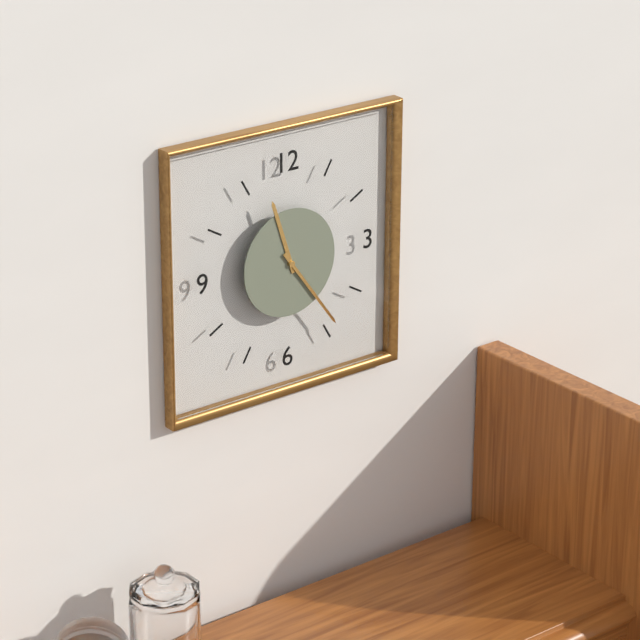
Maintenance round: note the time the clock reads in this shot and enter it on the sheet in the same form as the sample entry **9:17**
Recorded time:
**11:24**
